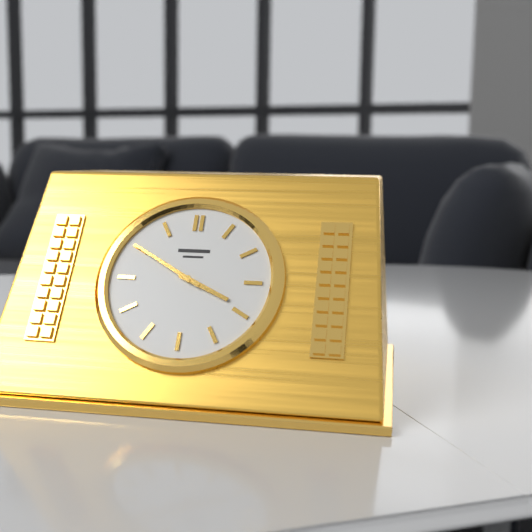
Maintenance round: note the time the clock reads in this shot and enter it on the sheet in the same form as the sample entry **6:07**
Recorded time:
**3:50**
